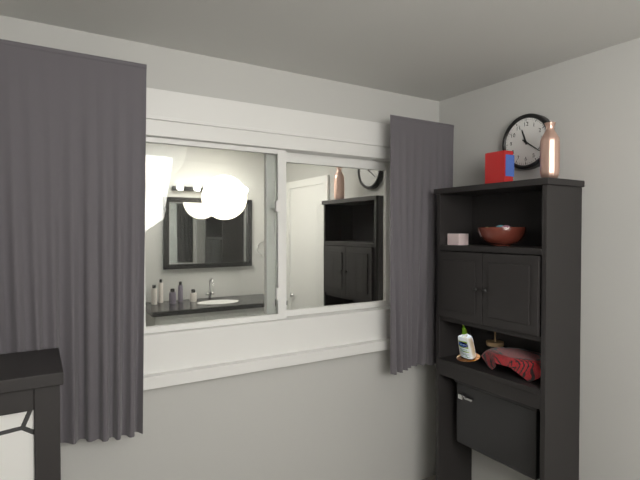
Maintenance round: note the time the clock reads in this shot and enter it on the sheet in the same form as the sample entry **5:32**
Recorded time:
**11:21**
